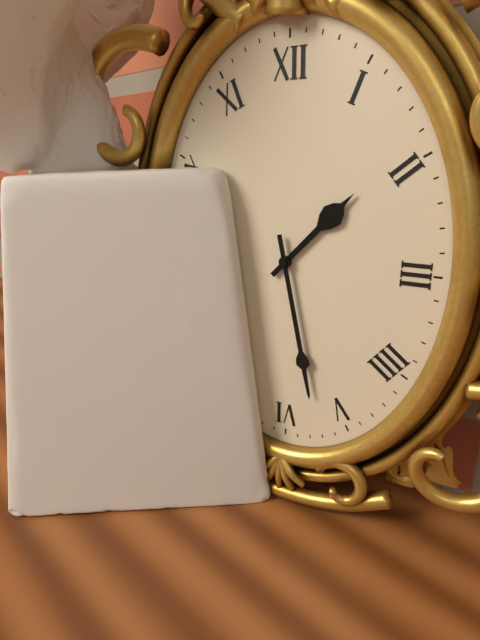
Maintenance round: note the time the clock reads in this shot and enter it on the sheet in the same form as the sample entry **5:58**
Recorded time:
**1:28**
